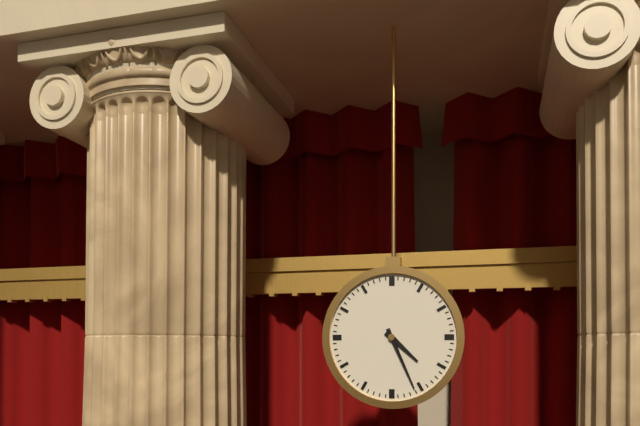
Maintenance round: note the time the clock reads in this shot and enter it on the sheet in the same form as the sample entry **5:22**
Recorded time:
**4:26**
